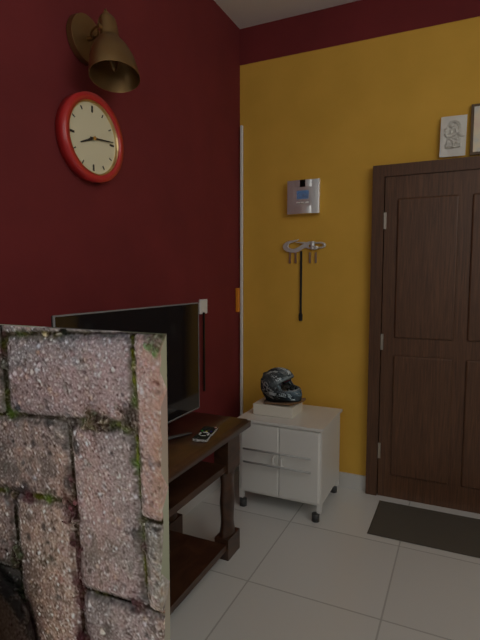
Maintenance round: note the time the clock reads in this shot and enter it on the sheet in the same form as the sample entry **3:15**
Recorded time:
**8:14**
